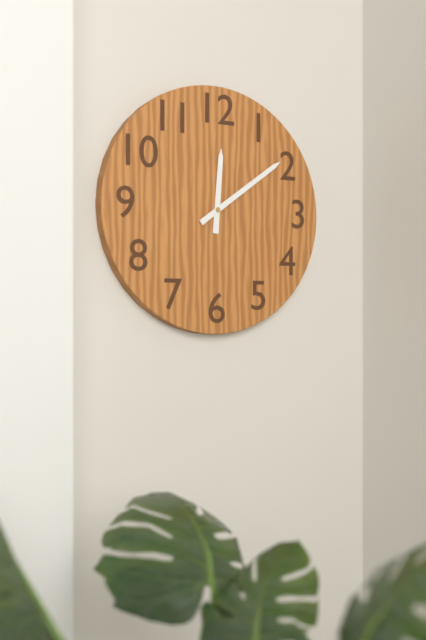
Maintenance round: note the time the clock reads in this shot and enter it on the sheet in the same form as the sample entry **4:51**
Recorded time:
**12:09**
